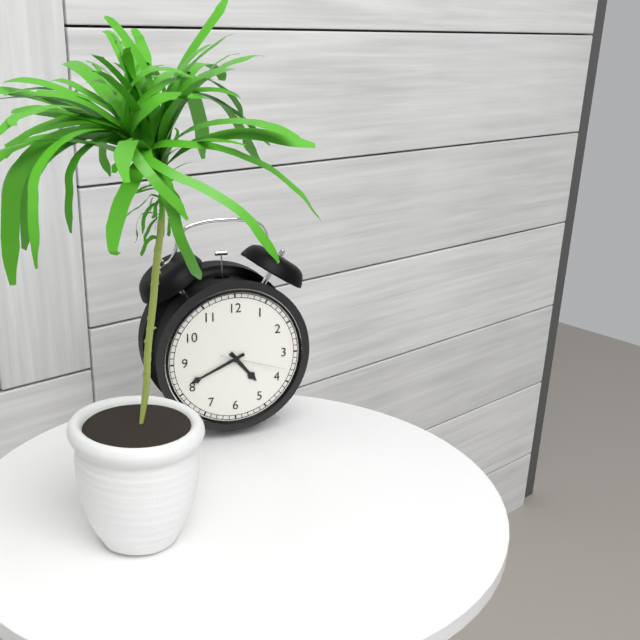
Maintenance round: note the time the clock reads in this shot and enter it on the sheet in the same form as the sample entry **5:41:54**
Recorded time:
**4:41:18**
